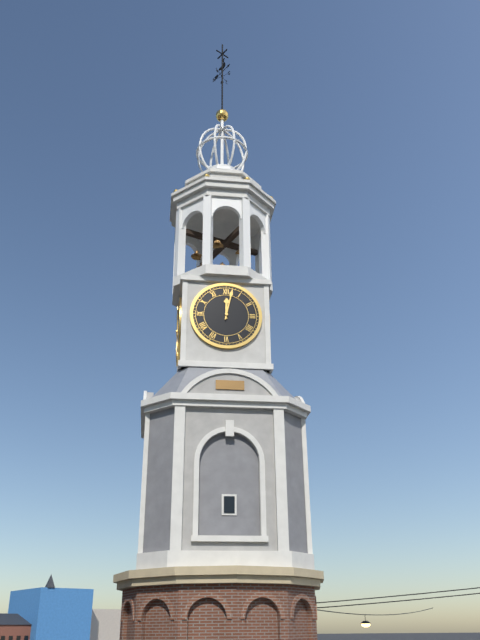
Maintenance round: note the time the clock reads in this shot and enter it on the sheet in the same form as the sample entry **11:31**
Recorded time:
**12:02**
